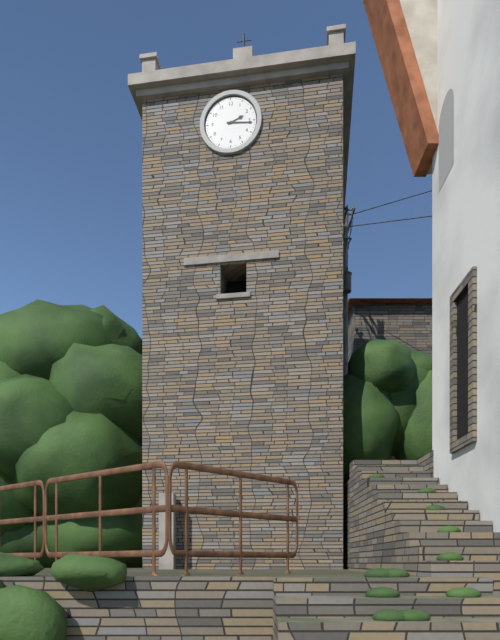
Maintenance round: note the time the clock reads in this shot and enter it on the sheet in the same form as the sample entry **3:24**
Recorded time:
**2:16**
